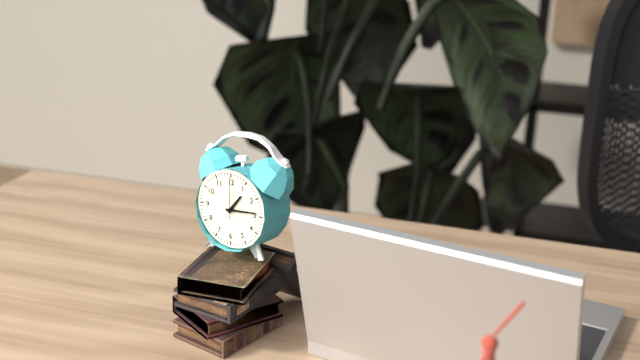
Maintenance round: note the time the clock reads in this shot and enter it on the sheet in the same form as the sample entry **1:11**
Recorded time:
**1:14**
